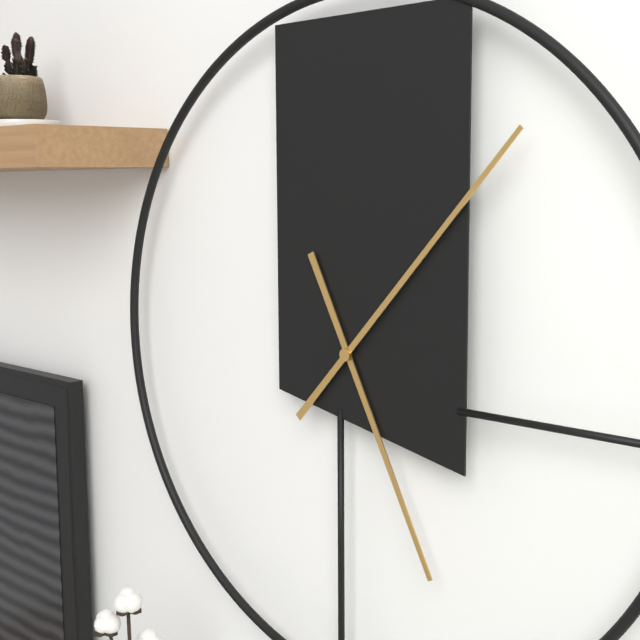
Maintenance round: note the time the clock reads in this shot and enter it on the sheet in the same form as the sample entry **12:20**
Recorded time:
**5:07**
